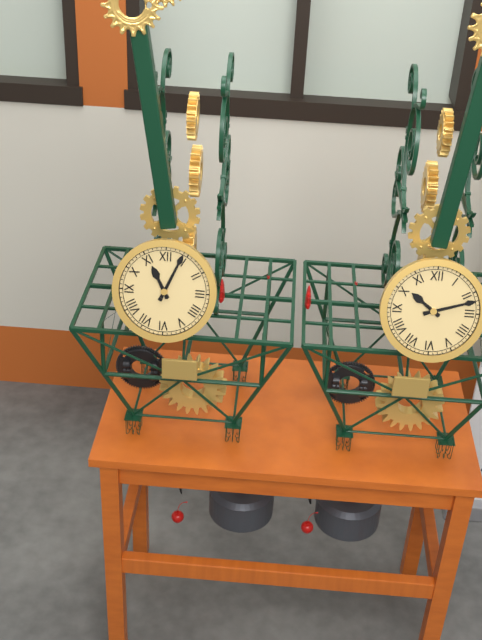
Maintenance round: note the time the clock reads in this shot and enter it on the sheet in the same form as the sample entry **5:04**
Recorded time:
**11:04**
